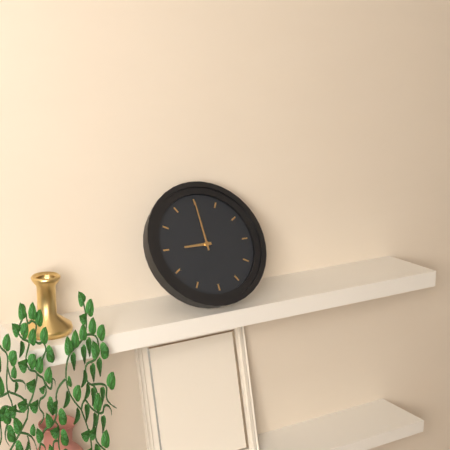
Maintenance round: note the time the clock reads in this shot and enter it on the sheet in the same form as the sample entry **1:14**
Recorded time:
**9:00**
